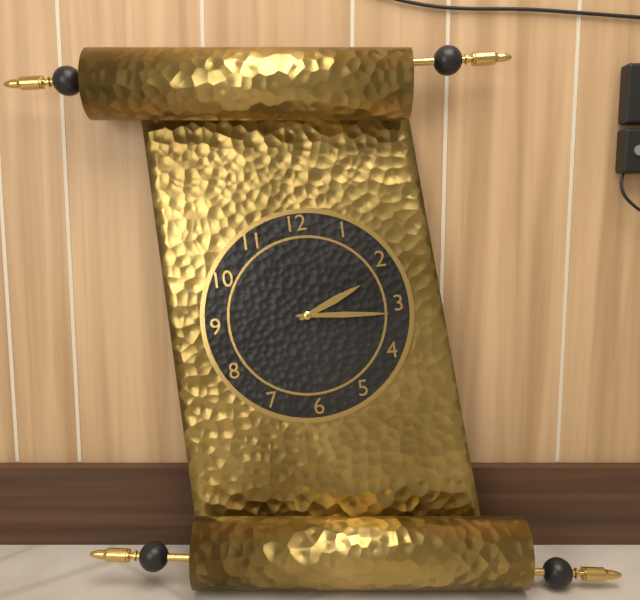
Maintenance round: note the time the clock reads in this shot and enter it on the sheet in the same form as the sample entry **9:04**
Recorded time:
**2:16**
